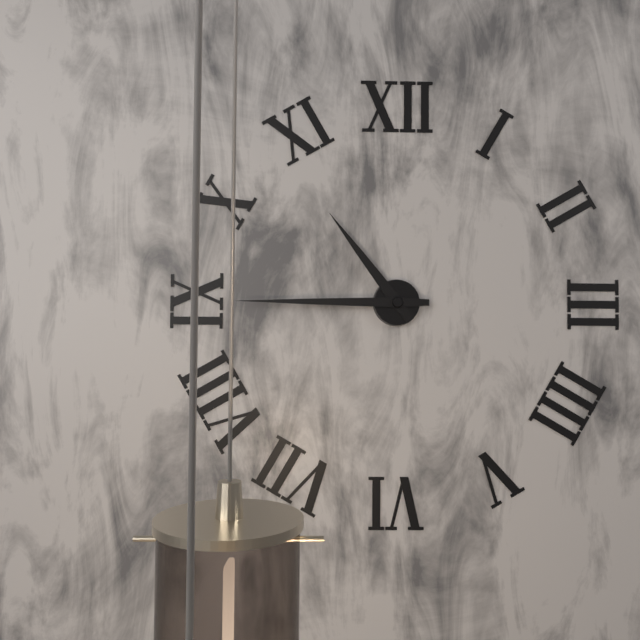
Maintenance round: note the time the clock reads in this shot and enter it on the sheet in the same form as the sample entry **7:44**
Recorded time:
**10:45**
